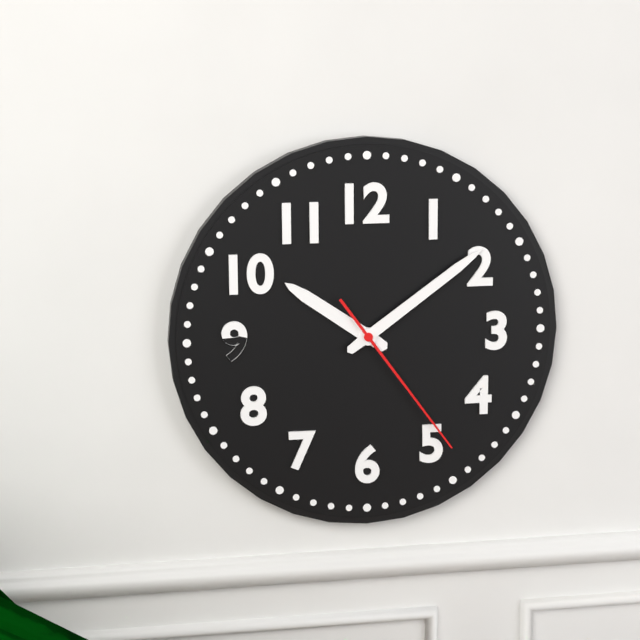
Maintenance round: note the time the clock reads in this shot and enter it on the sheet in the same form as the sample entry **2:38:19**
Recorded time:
**10:09:24**
